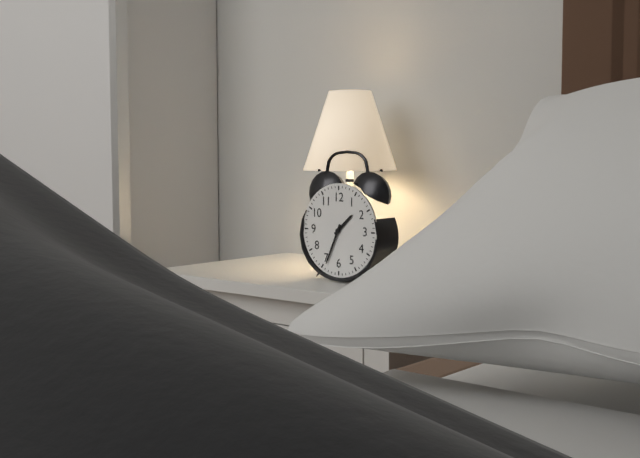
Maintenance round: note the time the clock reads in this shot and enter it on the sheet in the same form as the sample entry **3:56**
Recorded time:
**1:34**
